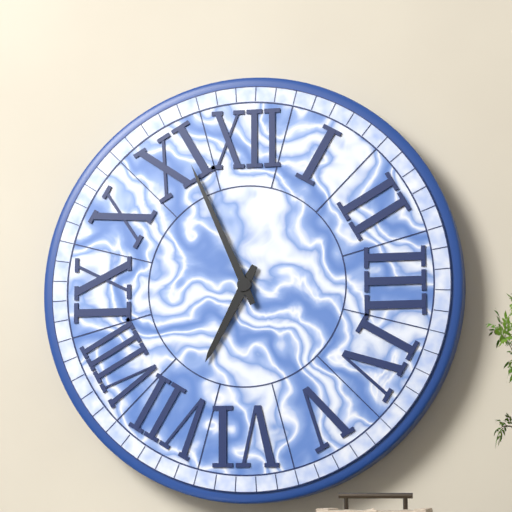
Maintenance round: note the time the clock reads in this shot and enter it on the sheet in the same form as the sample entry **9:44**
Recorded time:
**6:56**
